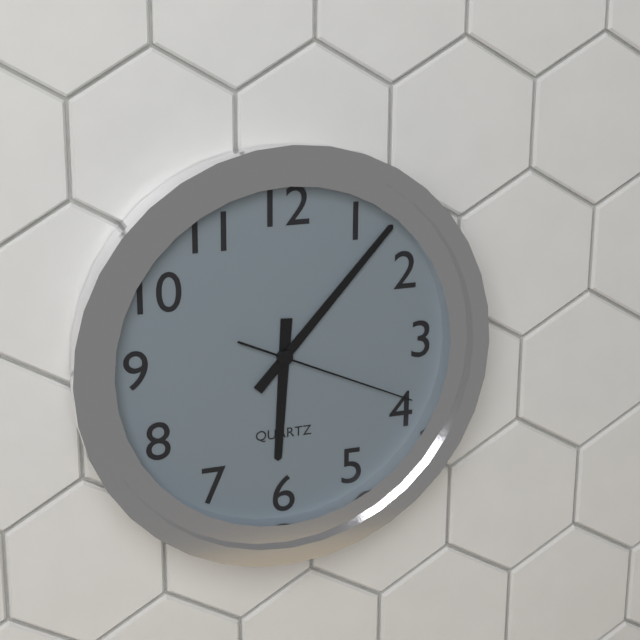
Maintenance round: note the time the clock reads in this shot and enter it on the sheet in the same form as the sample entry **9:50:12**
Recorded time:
**6:07:19**
